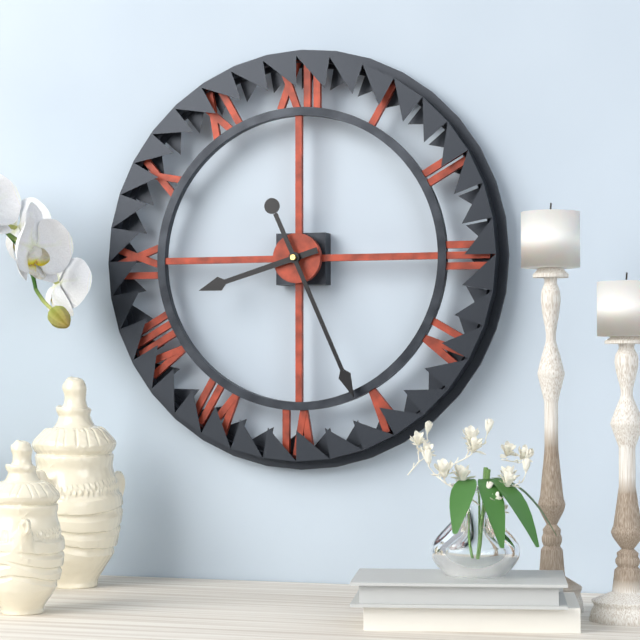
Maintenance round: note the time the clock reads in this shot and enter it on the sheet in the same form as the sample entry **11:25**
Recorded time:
**8:26**
